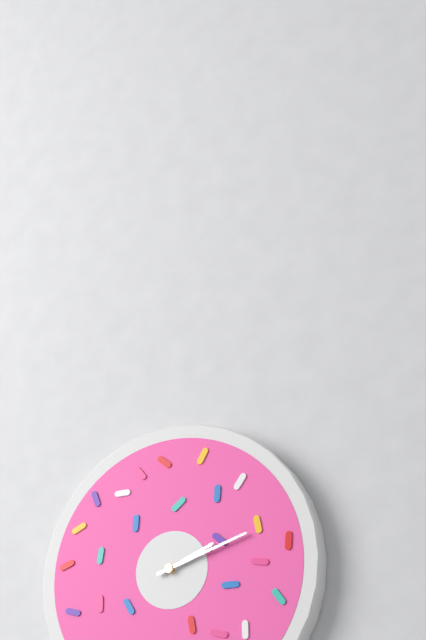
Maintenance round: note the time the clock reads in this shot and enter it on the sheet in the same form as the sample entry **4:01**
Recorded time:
**2:12**
